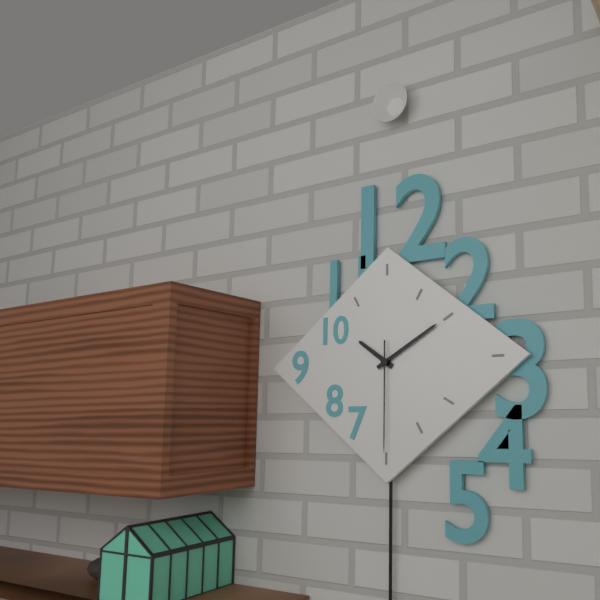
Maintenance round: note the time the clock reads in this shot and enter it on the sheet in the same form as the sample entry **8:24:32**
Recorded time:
**10:10:30**
